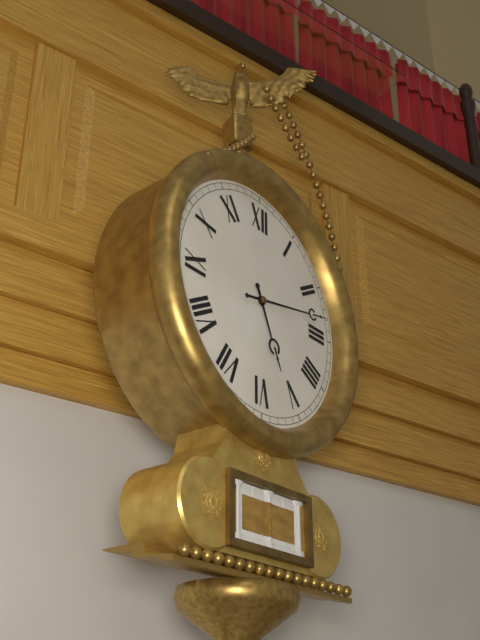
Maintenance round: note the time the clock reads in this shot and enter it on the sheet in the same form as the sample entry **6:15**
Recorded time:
**5:13**
